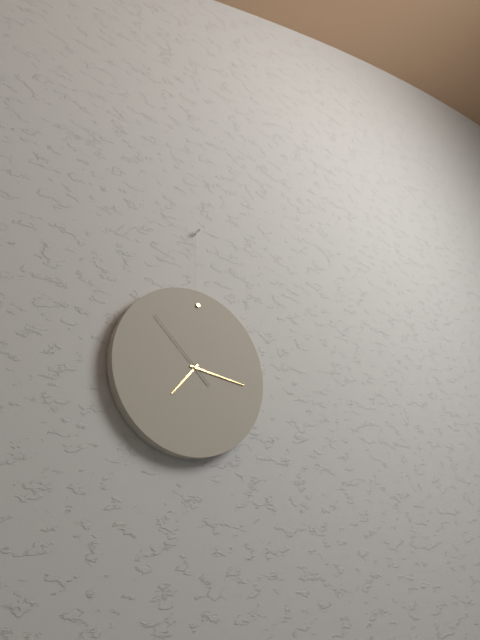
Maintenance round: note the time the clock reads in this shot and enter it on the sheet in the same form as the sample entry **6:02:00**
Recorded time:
**7:16:52**
